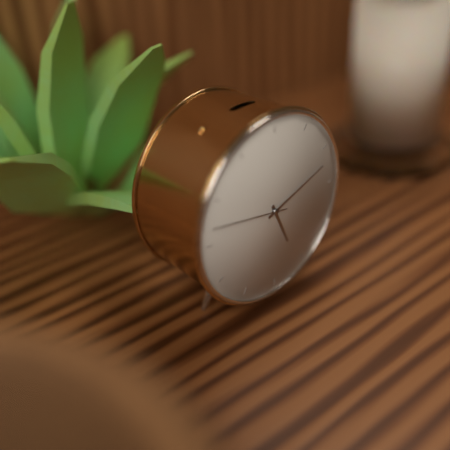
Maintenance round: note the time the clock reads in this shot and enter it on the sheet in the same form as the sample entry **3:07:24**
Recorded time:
**5:12:47**
